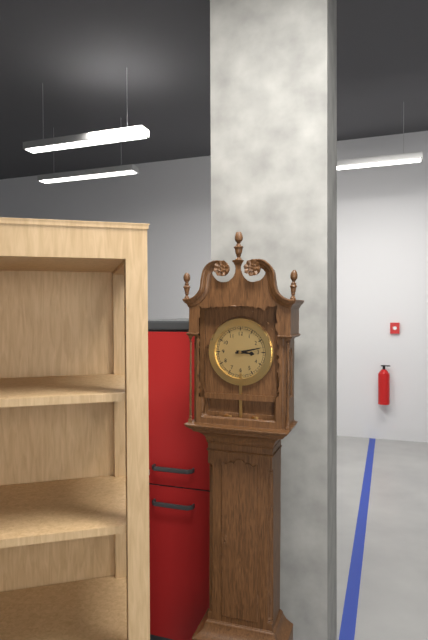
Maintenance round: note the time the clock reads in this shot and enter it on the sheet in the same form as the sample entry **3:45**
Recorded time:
**3:13**
